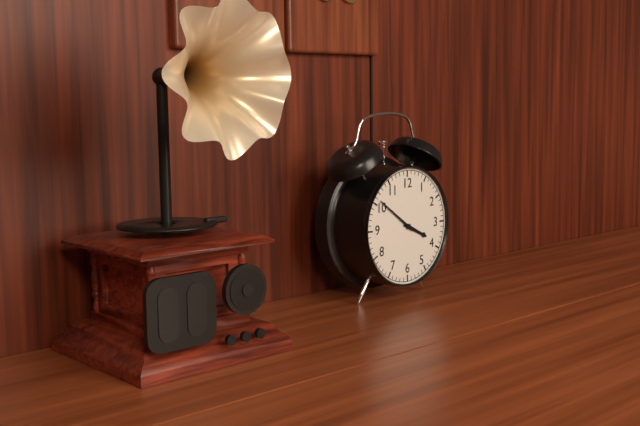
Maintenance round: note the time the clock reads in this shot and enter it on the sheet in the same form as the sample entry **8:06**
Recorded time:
**3:51**
